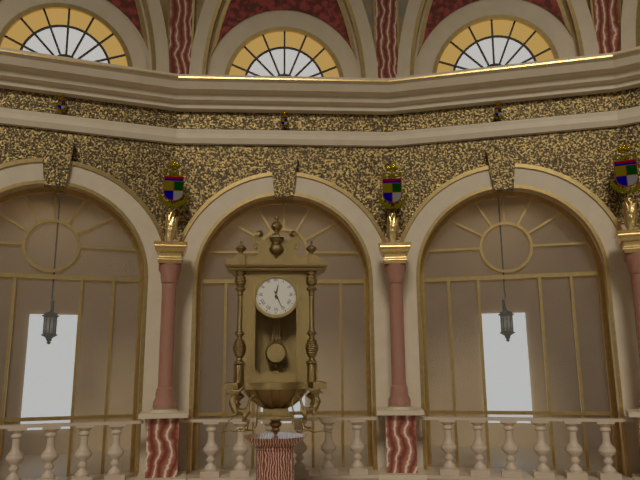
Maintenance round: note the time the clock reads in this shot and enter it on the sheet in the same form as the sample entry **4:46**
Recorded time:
**12:26**
